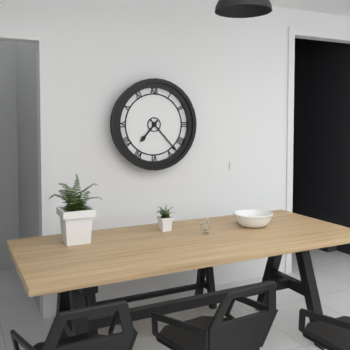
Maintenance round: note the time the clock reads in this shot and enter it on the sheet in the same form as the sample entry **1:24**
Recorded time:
**7:23**
